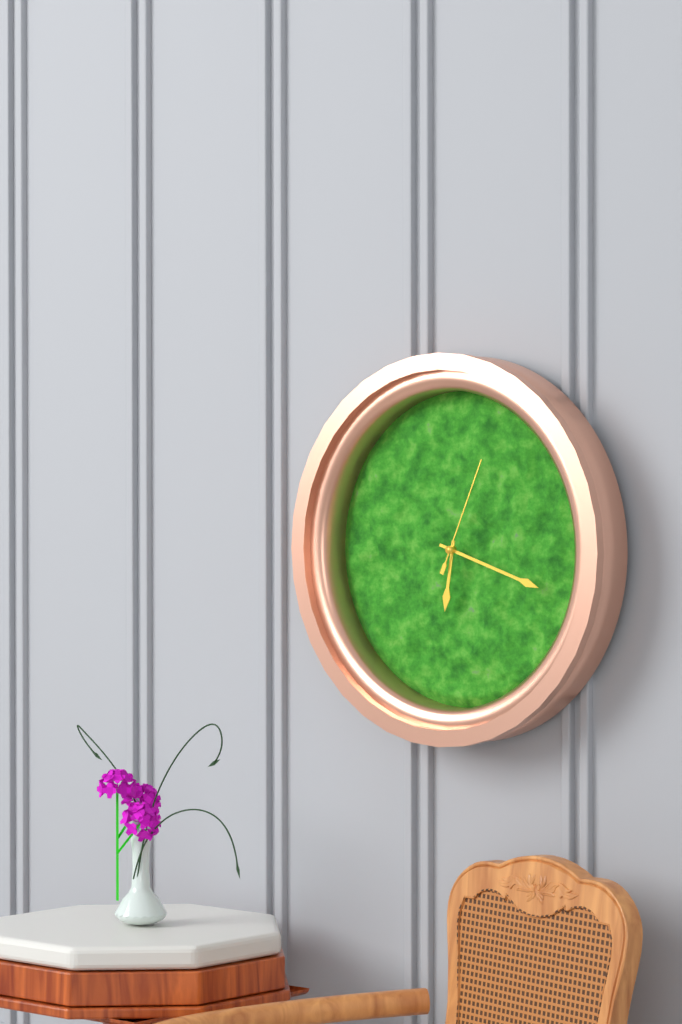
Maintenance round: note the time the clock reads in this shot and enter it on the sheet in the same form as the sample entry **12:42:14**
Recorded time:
**6:18:04**
